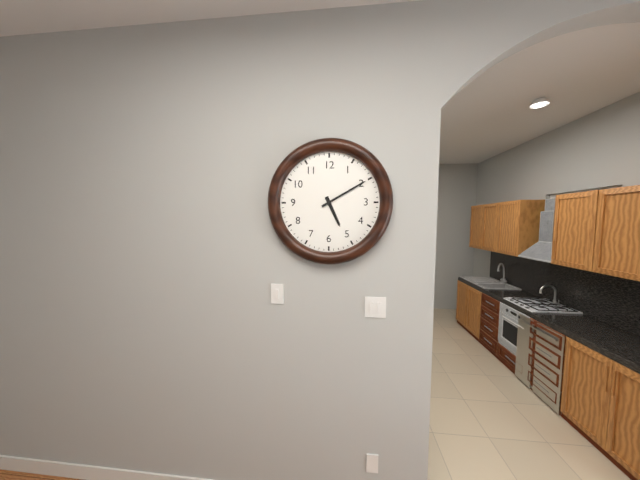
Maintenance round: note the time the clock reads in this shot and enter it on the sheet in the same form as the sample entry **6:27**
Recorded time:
**5:10**
